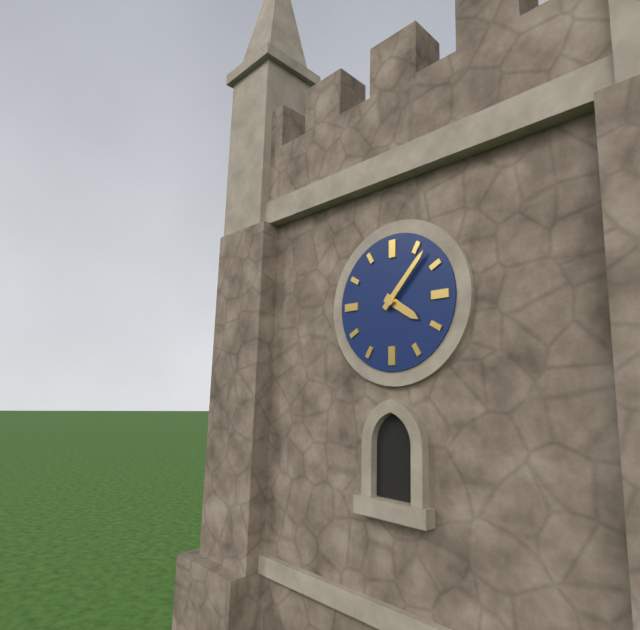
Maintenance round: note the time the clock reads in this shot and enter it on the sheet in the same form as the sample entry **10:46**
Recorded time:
**4:07**
